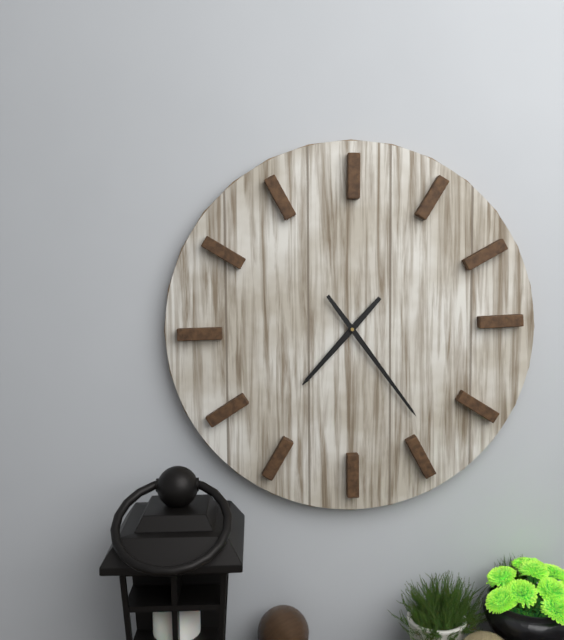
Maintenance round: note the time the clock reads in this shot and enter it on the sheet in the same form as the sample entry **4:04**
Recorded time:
**7:24**
